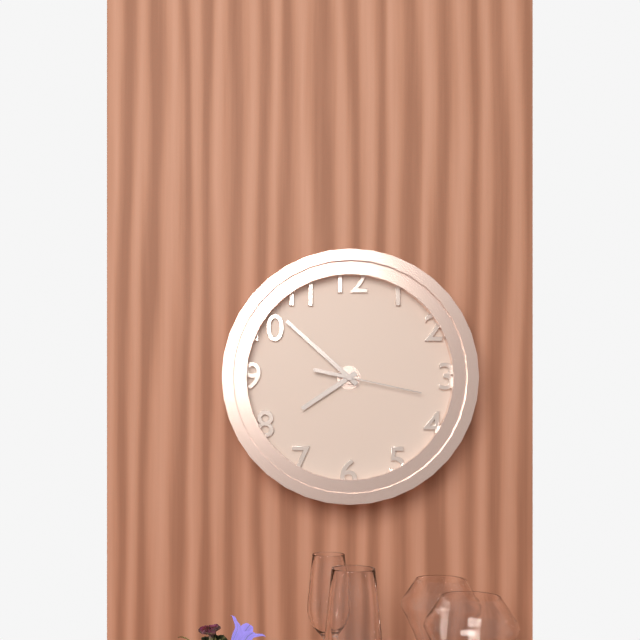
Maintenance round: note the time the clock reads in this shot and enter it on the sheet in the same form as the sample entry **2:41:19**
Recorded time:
**7:52:17**
